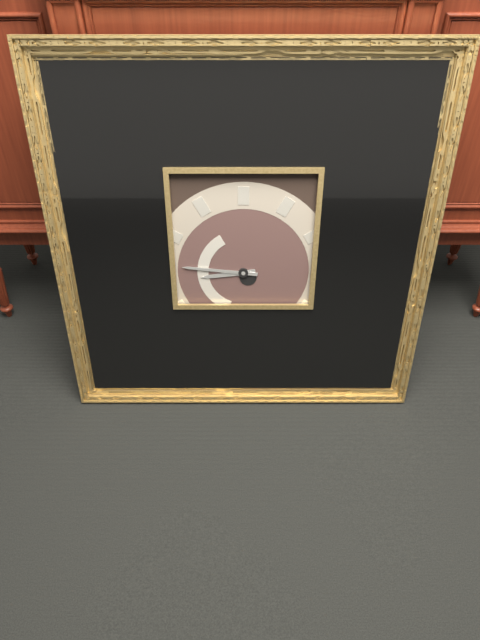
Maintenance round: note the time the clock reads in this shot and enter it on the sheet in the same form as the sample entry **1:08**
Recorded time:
**8:46**
